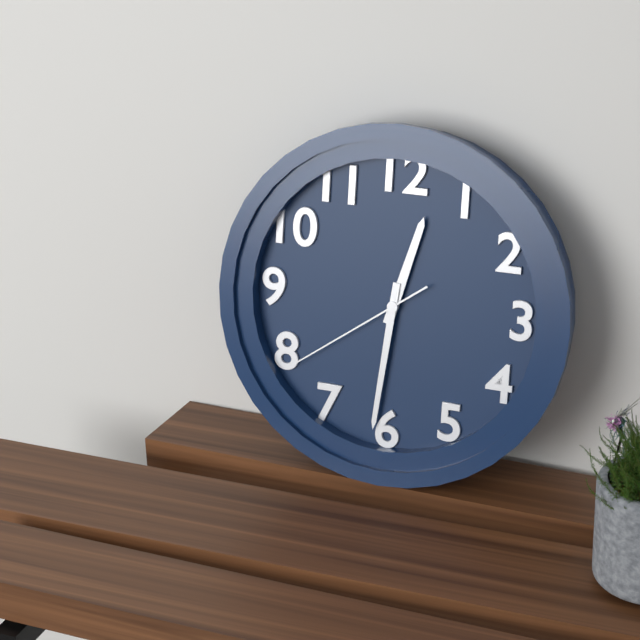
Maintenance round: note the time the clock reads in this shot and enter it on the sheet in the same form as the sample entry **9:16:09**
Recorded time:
**12:31:39**
